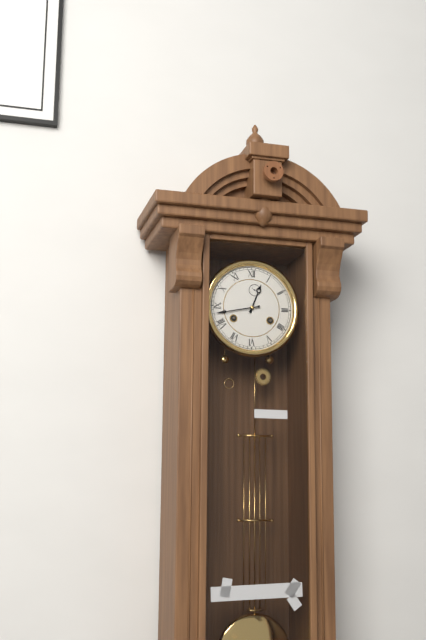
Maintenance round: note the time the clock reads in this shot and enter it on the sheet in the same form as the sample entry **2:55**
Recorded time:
**12:43**
